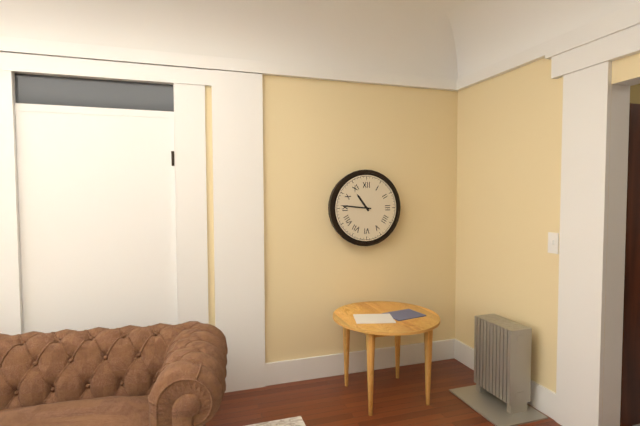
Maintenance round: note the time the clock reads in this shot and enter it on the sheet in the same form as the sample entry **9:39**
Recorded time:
**10:46**
